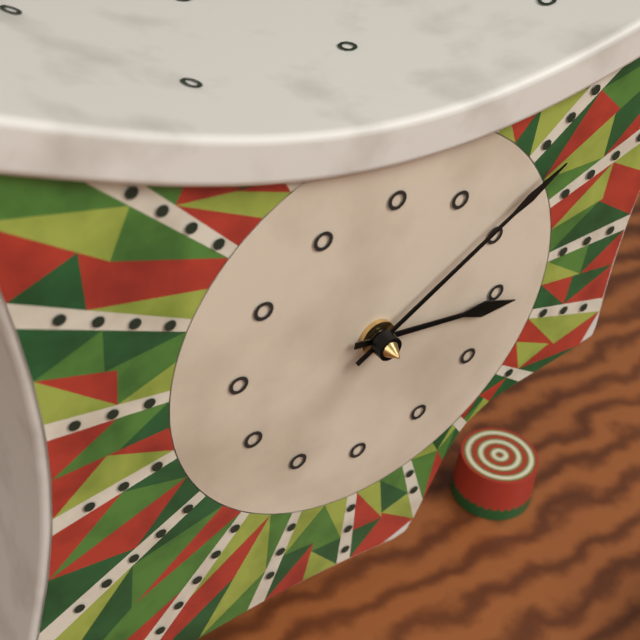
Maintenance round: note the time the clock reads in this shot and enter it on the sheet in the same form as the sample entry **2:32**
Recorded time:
**3:09**
